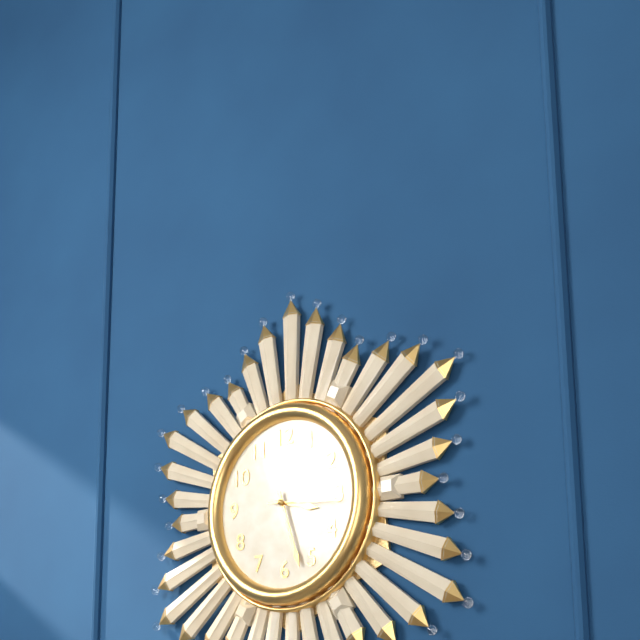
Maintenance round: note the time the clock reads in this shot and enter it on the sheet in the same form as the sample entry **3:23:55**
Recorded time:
**3:27:16**
